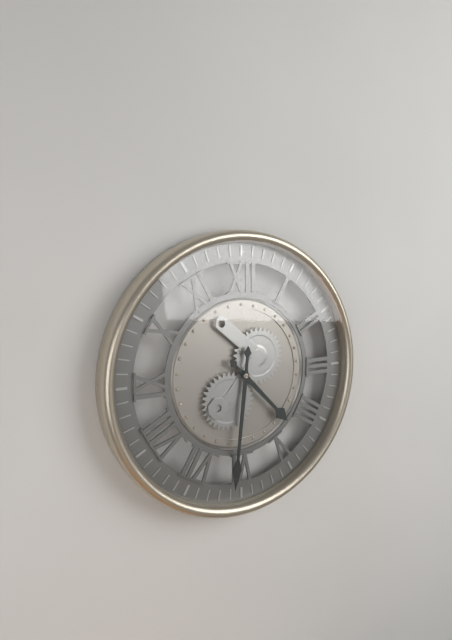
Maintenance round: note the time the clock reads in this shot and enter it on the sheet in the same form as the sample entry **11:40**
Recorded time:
**4:31**
